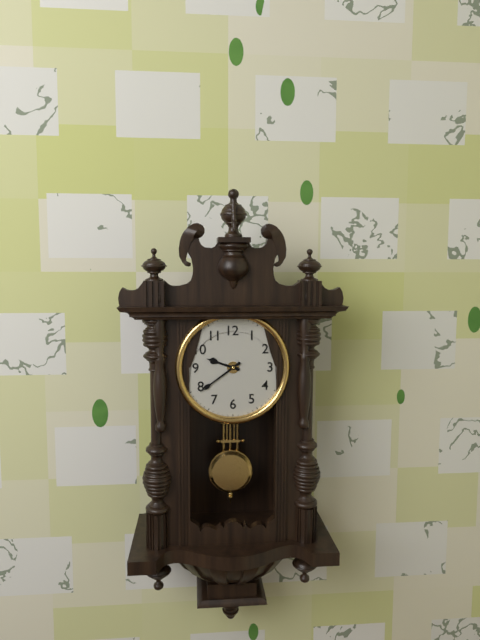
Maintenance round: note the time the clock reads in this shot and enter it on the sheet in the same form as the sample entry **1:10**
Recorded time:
**9:39**
